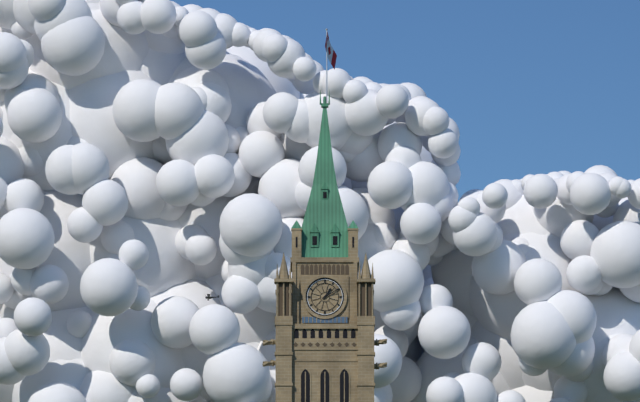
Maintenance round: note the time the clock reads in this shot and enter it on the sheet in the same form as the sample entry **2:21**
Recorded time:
**1:10**
